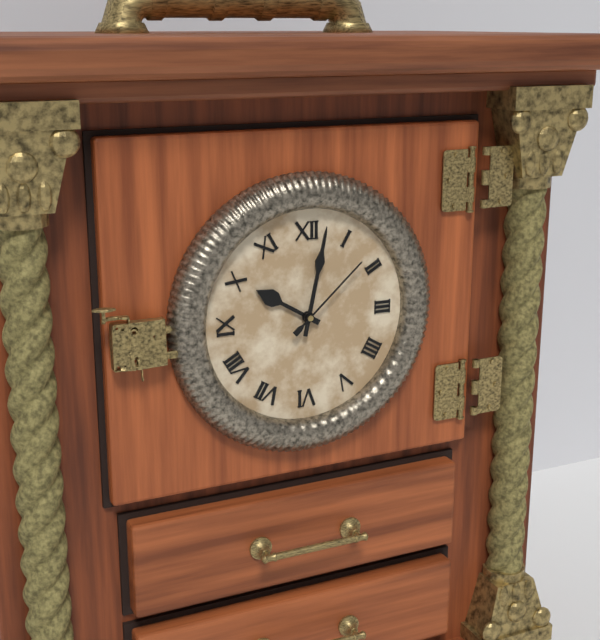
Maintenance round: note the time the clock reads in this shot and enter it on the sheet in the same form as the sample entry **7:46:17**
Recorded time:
**10:02:08**
